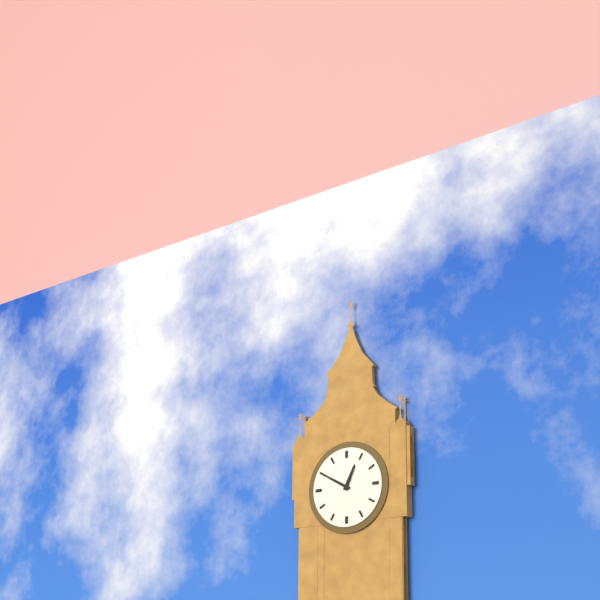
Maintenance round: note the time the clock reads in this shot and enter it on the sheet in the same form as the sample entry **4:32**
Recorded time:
**12:50**
